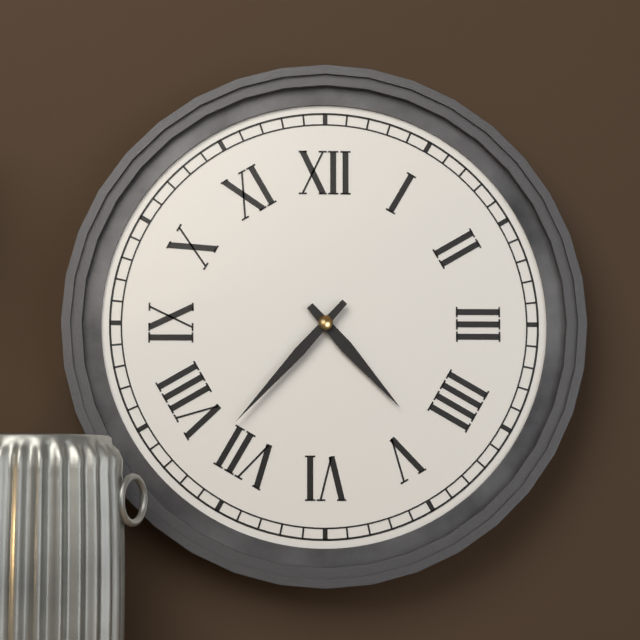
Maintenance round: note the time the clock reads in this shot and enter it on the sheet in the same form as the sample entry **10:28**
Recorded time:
**4:37**
